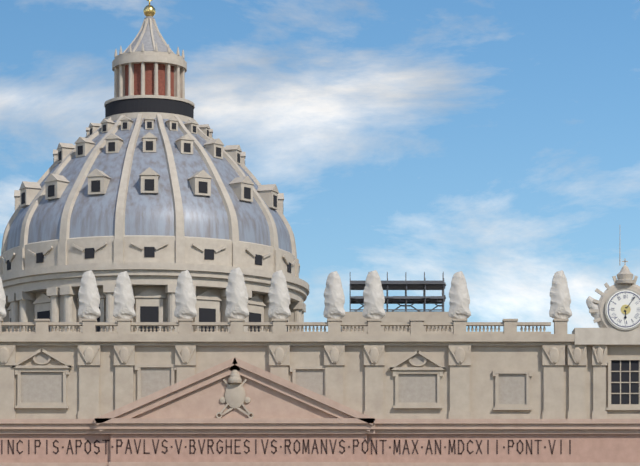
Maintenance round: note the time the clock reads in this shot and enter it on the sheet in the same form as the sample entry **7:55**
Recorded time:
**6:06**
